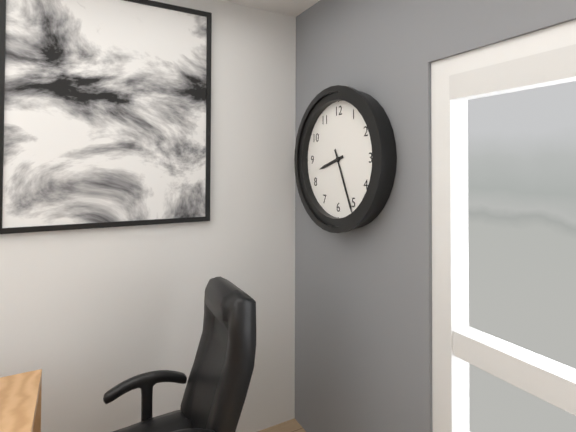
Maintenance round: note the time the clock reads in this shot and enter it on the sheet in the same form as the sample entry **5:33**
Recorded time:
**8:26**
